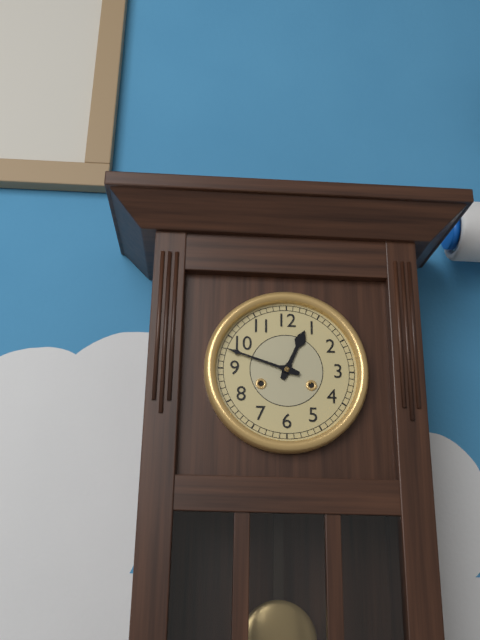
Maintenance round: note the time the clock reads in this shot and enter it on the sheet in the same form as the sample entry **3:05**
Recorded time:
**12:48**
